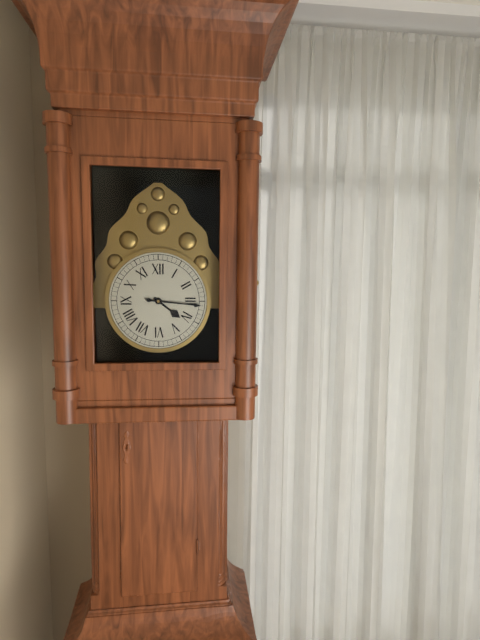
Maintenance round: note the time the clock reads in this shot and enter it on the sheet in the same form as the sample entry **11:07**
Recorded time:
**4:16**
